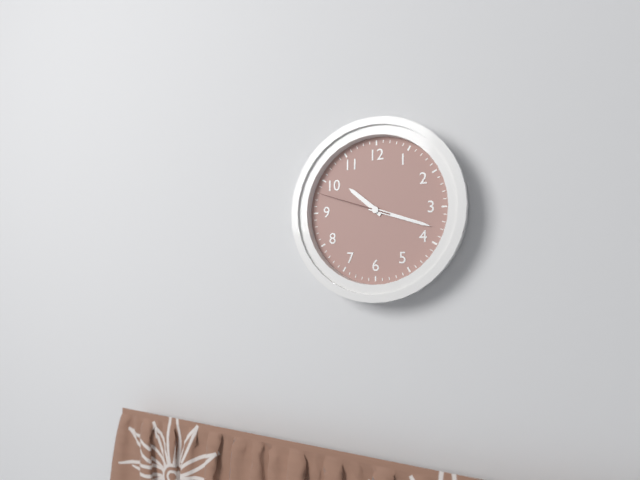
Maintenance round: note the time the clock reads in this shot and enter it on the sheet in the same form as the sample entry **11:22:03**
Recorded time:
**10:18:48**
